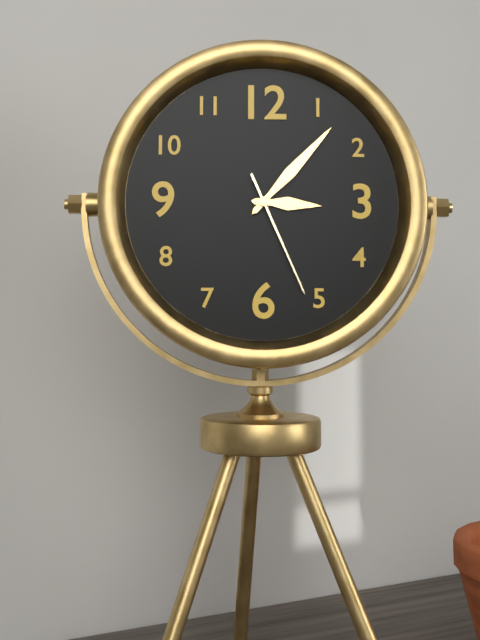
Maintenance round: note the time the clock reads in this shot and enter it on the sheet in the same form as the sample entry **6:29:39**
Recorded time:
**3:07:26**
